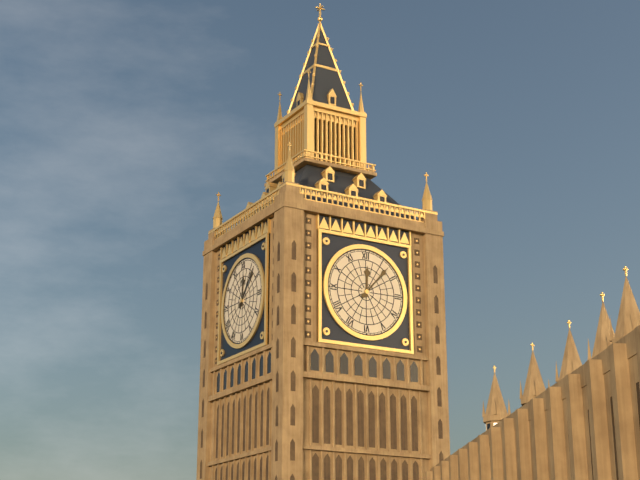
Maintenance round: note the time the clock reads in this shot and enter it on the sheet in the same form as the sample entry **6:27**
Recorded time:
**12:07**
